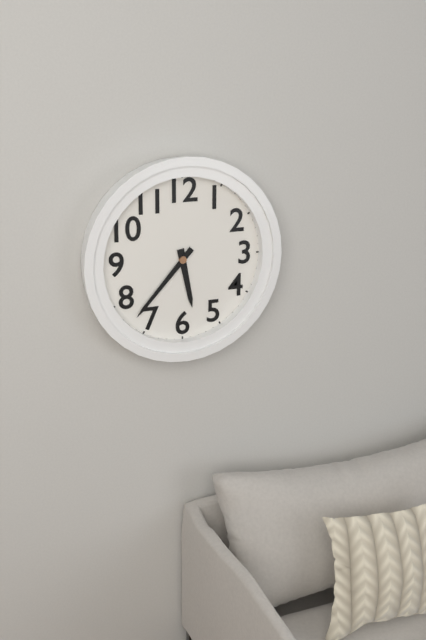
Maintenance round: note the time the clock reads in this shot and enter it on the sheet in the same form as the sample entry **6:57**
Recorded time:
**5:37**
